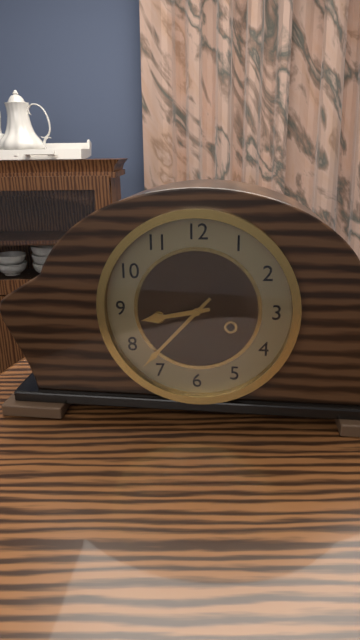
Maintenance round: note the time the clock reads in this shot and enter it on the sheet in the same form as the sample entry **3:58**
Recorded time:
**8:37**
